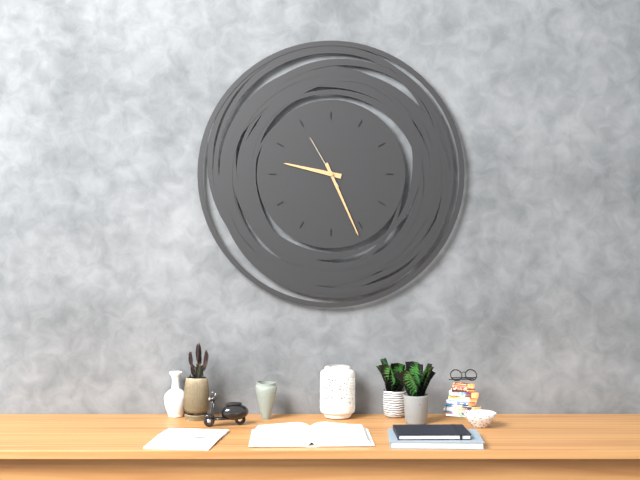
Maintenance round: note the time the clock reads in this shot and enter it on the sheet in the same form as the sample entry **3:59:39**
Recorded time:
**9:26:55**
